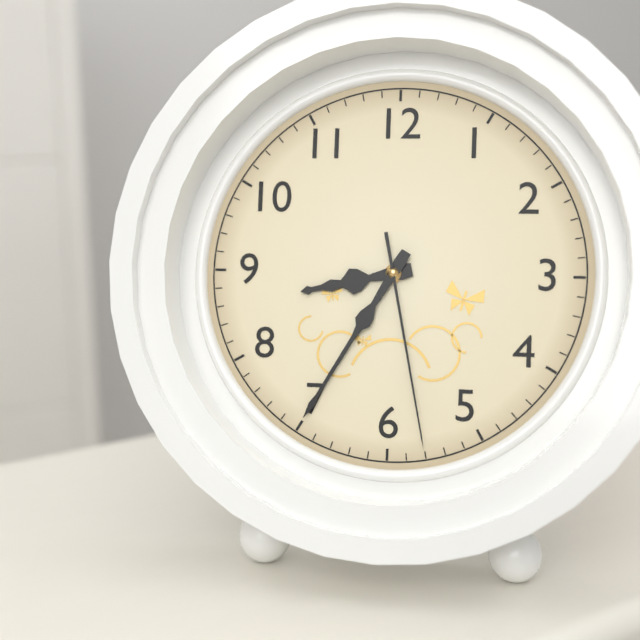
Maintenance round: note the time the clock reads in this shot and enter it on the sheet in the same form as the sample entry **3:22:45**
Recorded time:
**8:35:28**
